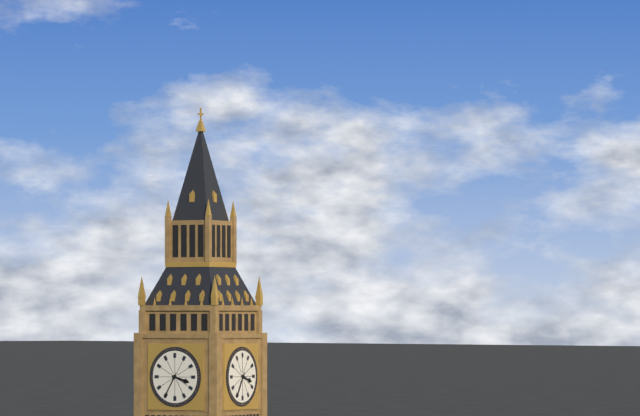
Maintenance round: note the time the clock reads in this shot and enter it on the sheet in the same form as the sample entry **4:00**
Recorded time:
**3:35**
